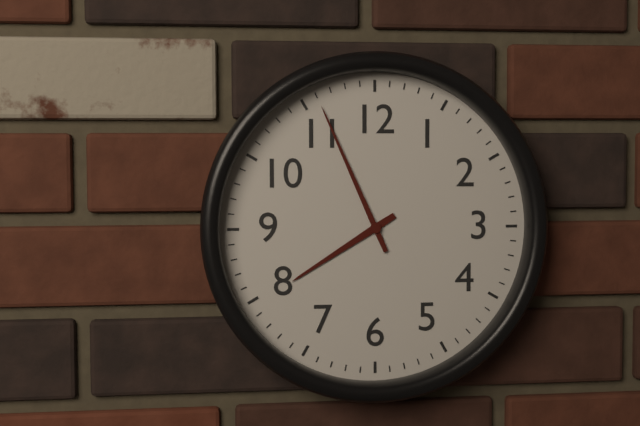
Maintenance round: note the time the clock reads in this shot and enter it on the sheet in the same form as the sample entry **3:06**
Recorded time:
**7:56**
